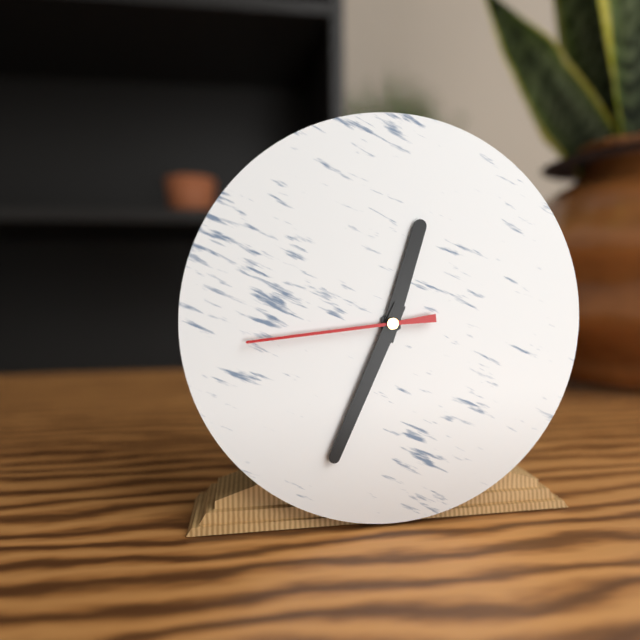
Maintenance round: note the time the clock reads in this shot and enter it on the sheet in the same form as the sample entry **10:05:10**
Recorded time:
**12:34:44**
